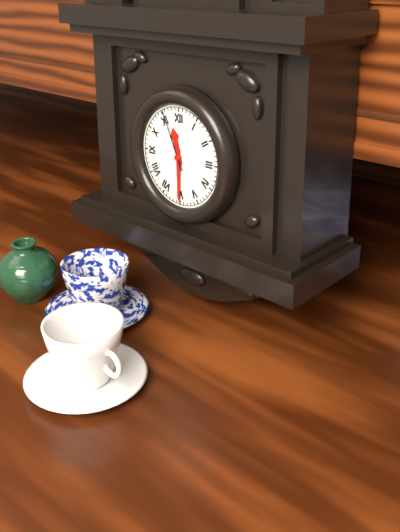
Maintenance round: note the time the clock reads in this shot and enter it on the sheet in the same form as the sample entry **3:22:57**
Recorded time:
**11:30:56**
